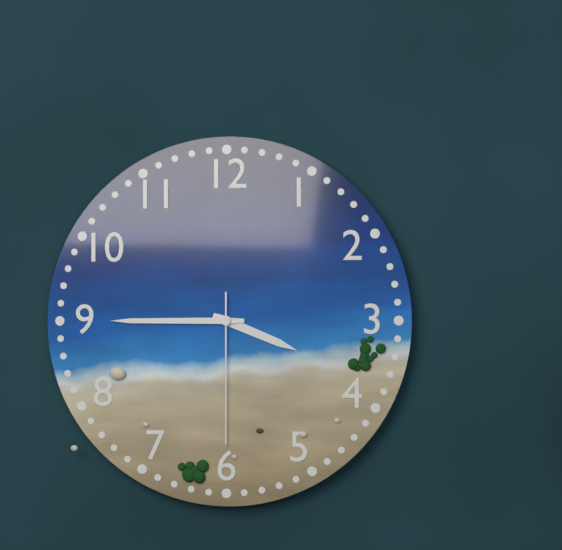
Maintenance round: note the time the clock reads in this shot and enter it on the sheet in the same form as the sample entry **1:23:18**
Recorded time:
**3:45:30**
